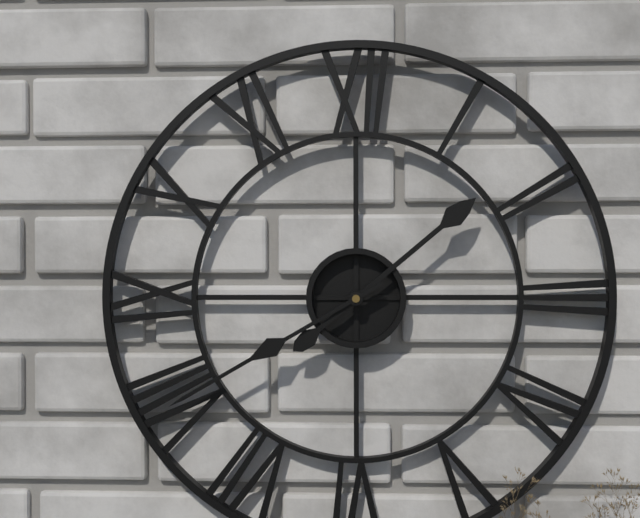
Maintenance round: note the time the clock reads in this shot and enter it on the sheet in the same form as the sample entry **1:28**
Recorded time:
**1:40**
